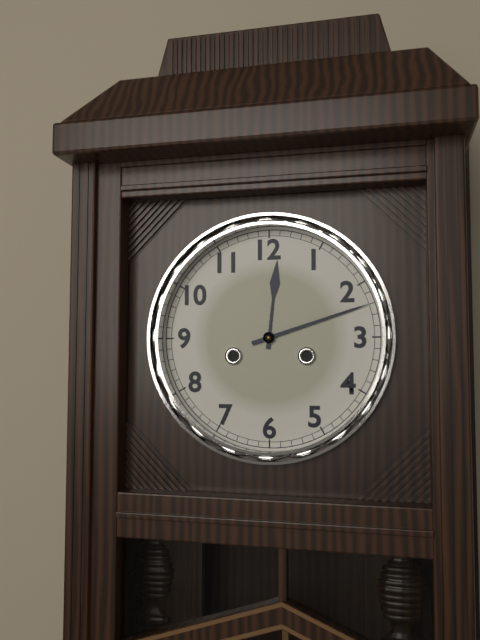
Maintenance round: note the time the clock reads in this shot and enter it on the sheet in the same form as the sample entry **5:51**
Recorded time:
**12:12**
